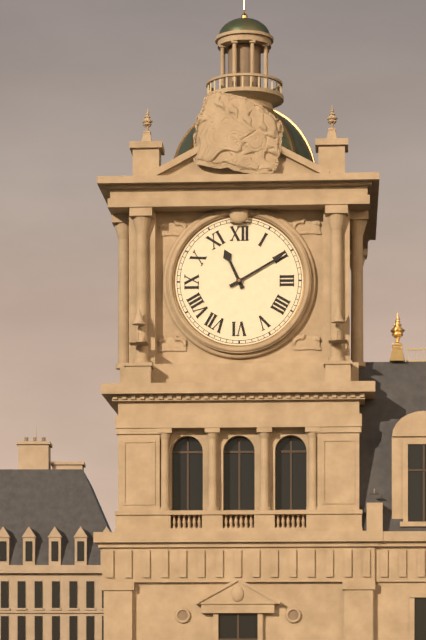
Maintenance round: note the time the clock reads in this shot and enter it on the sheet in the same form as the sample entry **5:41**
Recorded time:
**11:10**
